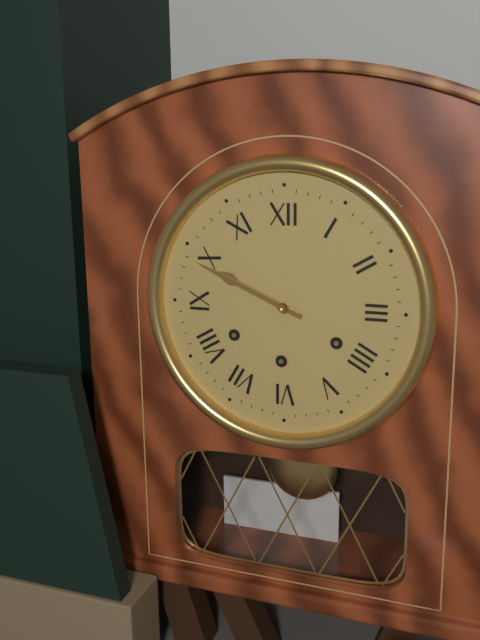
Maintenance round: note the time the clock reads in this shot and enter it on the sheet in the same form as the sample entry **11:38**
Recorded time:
**9:49**
